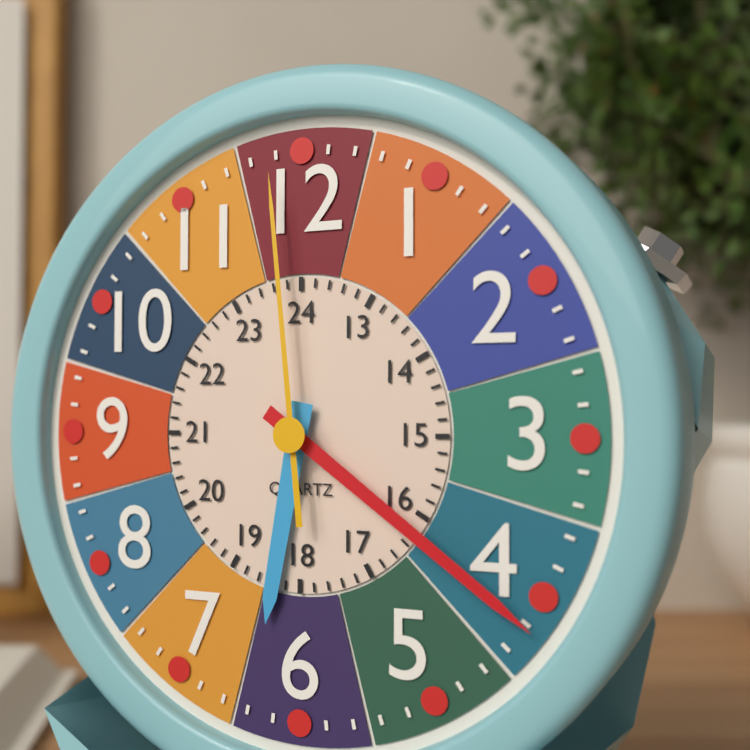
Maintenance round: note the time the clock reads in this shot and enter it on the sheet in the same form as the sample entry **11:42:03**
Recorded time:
**6:21:59**
